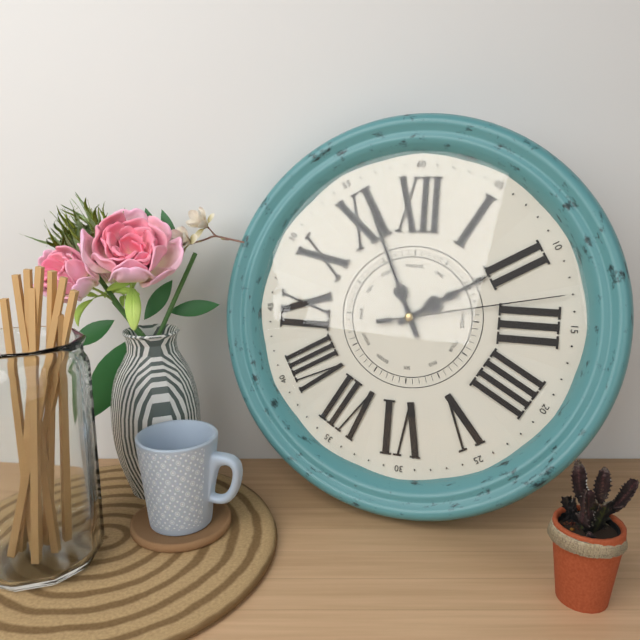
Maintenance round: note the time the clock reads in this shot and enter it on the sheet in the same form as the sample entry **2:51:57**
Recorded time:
**1:56:13**
